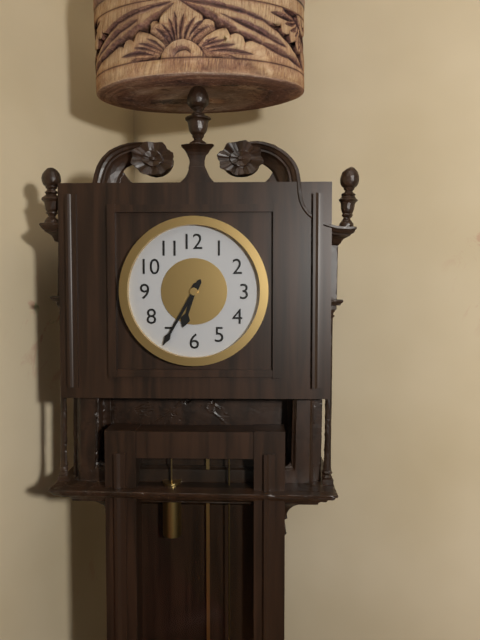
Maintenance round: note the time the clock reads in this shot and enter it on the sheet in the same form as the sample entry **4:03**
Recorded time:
**6:35**
